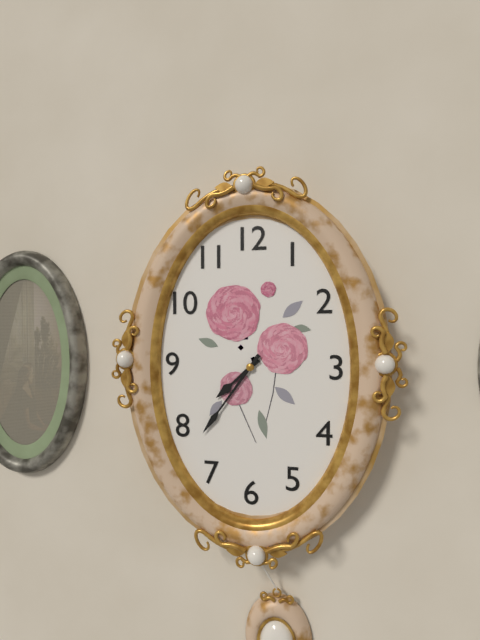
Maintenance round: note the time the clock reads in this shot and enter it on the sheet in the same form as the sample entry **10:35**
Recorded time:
**7:36**
